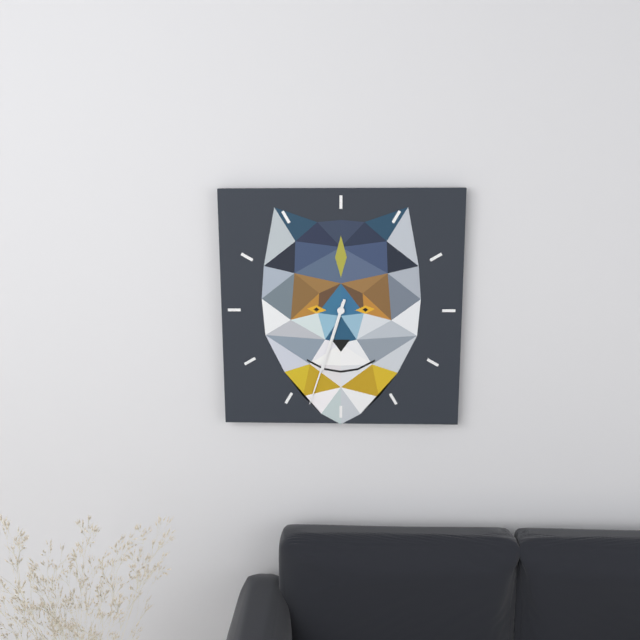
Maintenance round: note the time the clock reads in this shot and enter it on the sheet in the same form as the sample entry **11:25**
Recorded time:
**6:33**
